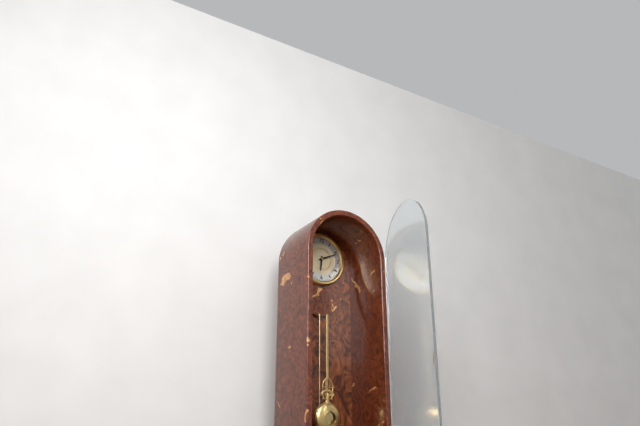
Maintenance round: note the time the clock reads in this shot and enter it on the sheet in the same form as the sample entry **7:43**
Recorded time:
**6:11**
